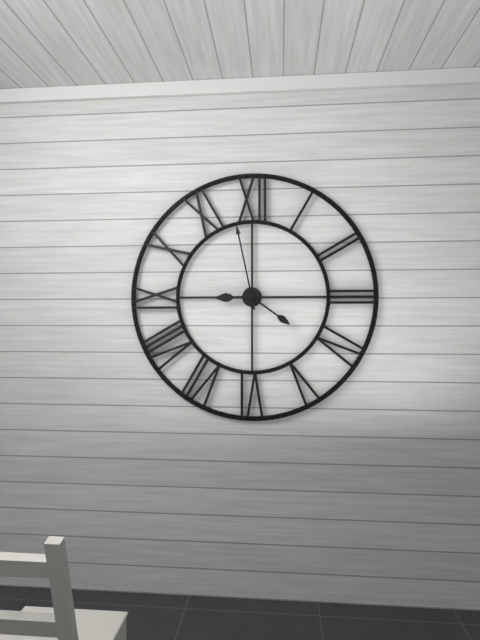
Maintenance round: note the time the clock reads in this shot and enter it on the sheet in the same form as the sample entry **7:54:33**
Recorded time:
**8:58:21**
